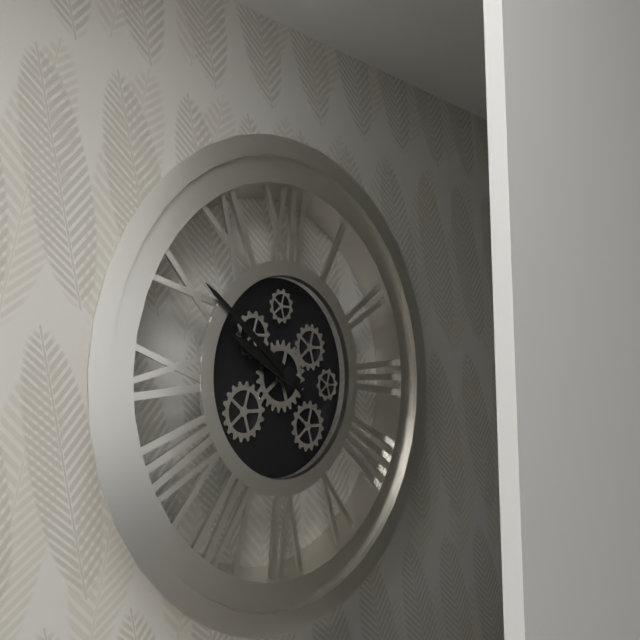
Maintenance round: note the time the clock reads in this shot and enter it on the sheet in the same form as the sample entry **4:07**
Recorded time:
**9:51**
